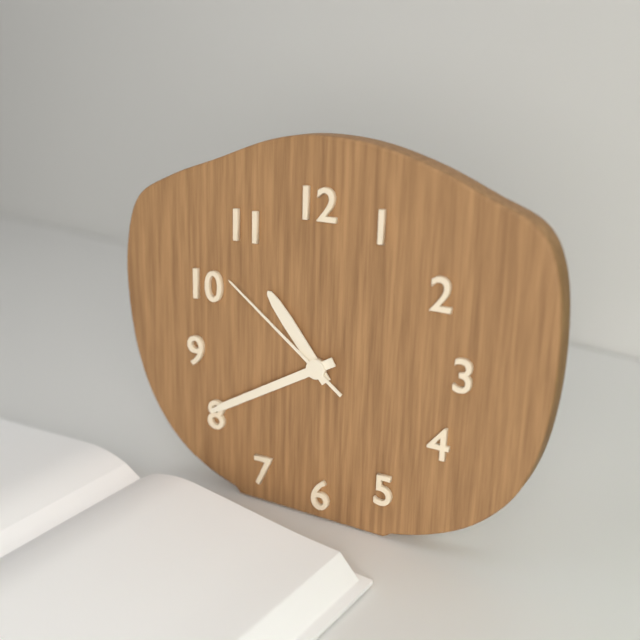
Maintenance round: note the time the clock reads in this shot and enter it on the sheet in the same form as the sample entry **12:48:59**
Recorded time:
**10:40:51**
